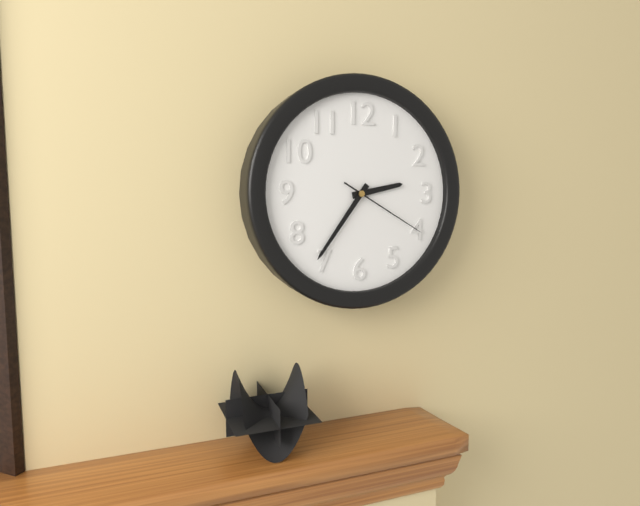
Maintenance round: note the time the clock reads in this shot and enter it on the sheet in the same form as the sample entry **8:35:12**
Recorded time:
**2:36:20**
